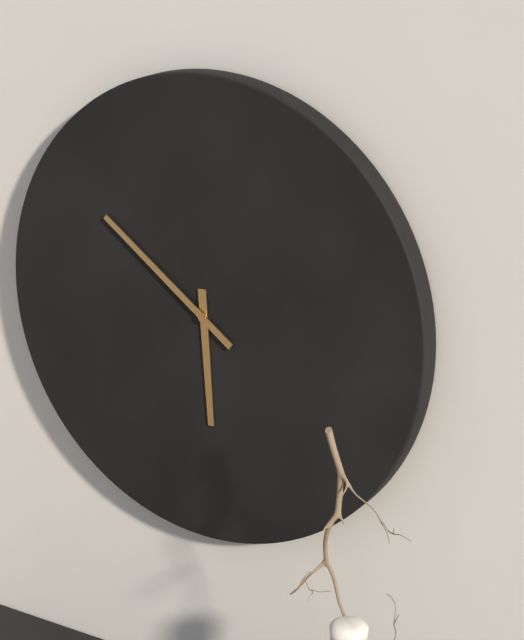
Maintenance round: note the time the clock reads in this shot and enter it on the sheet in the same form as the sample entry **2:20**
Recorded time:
**5:51**
